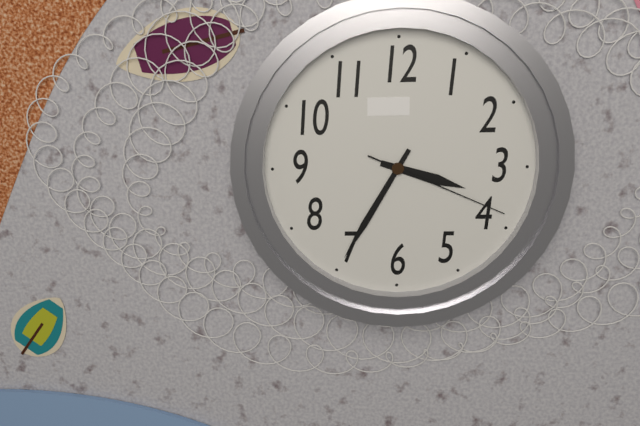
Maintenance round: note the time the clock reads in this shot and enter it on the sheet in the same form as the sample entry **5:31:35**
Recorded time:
**3:35:19**
